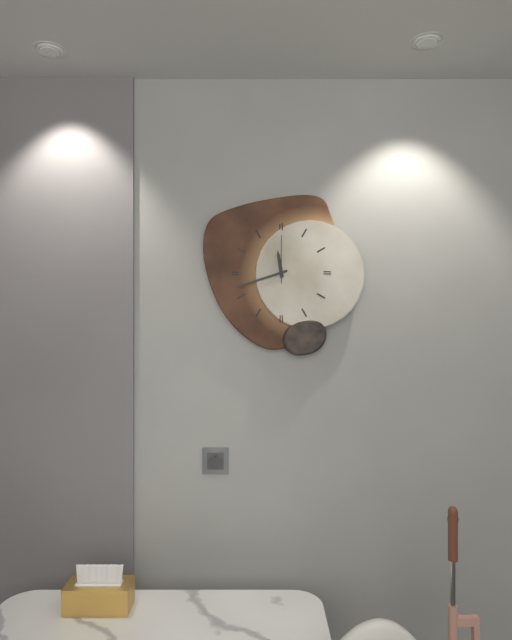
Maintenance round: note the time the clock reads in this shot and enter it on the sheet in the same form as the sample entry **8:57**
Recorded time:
**11:42**
